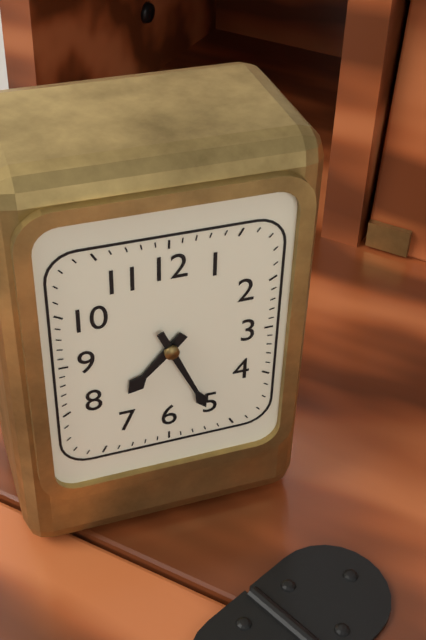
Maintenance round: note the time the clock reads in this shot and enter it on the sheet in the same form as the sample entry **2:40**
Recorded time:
**7:26**
